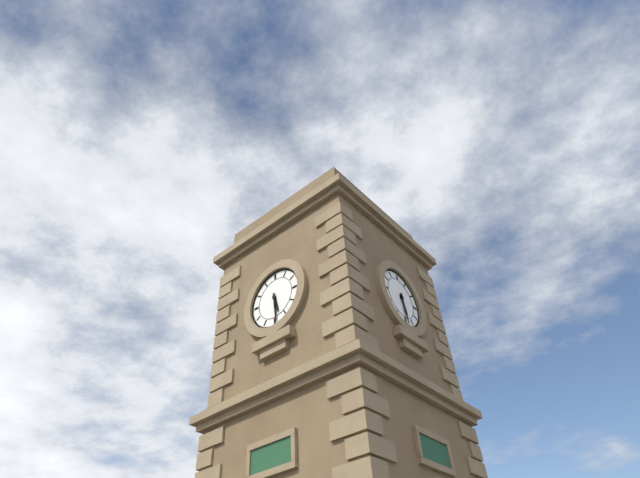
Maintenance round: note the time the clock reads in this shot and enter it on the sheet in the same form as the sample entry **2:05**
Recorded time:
**5:29**
